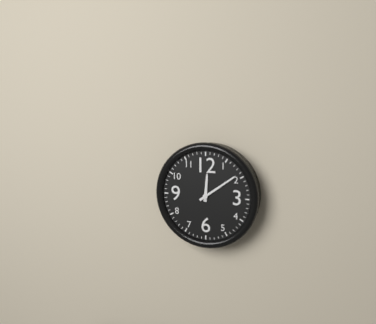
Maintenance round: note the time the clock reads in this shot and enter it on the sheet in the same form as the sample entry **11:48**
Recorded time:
**12:09**
